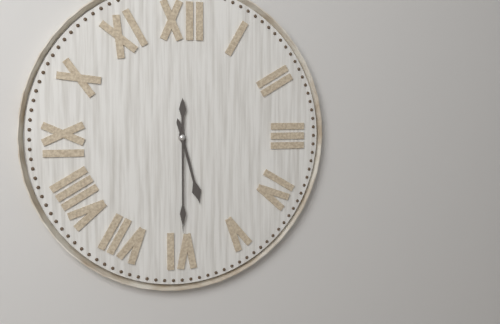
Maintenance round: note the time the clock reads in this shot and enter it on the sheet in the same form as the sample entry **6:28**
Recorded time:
**5:30**
